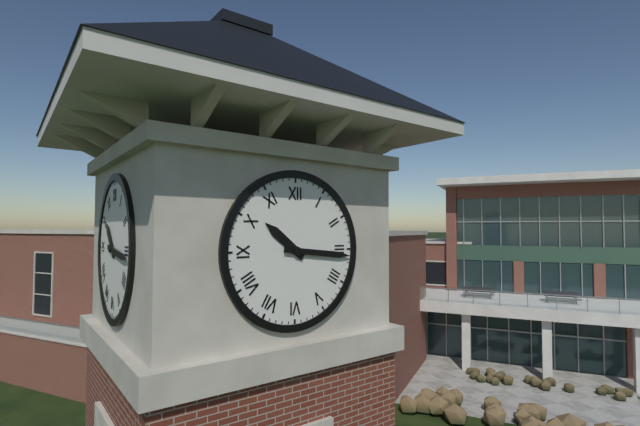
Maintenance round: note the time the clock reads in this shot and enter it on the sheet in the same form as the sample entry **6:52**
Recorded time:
**10:16**
